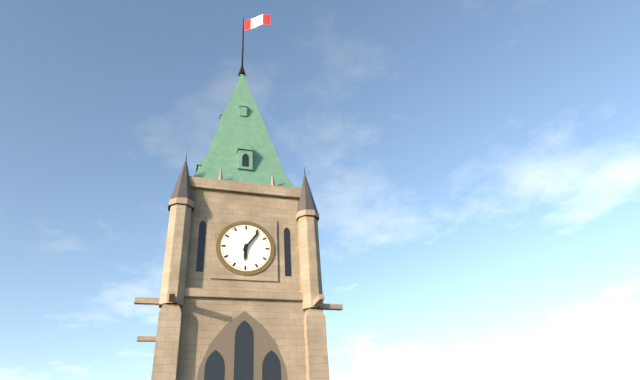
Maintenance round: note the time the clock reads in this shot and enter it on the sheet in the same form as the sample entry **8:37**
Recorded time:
**6:06**
